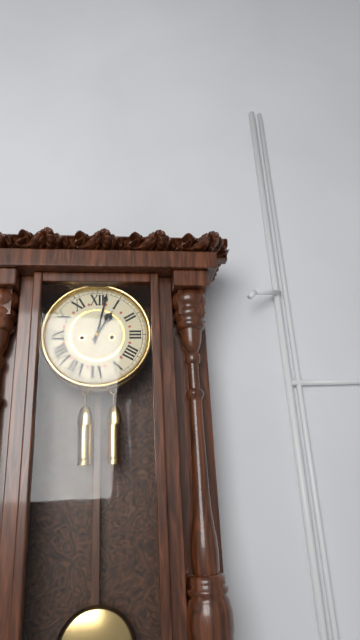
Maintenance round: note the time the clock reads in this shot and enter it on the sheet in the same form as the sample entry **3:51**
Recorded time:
**1:02**
